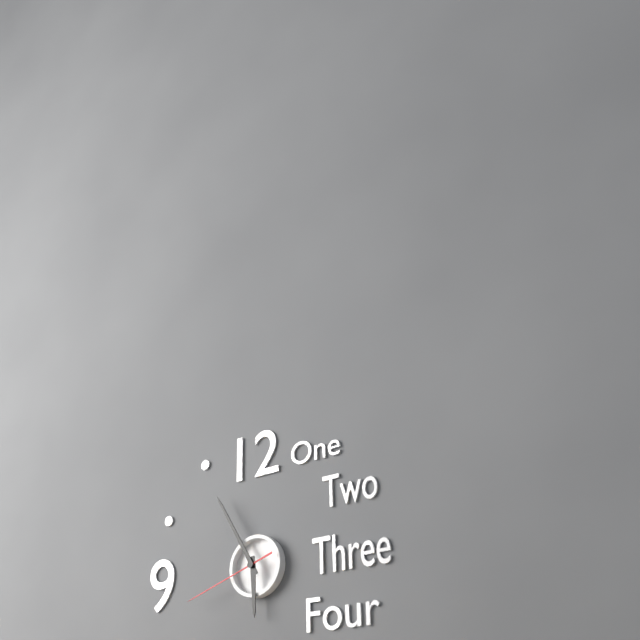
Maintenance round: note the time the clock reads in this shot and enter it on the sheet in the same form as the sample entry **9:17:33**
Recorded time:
**5:55:42**
